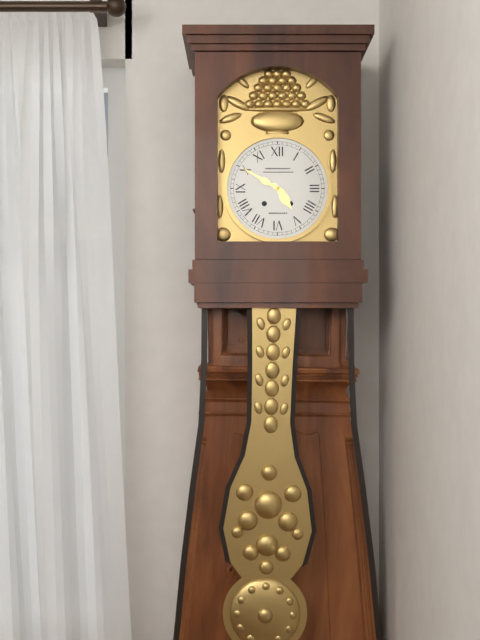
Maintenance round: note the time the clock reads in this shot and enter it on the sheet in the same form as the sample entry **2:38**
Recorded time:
**4:50**
